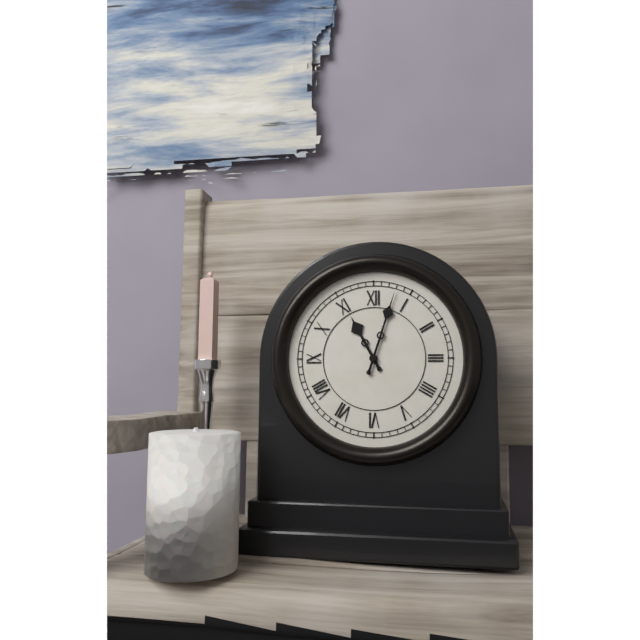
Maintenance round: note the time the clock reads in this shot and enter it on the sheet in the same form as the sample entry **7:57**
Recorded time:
**11:03**
